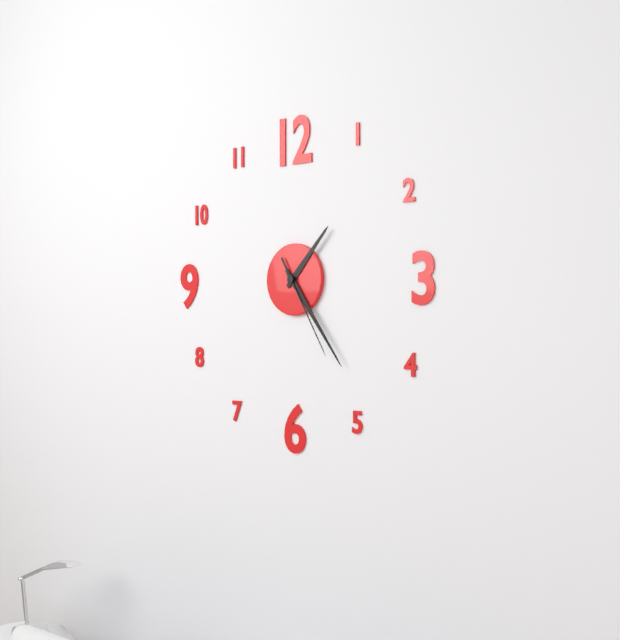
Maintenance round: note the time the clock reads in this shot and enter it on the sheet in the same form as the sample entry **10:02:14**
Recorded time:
**1:24:25**
